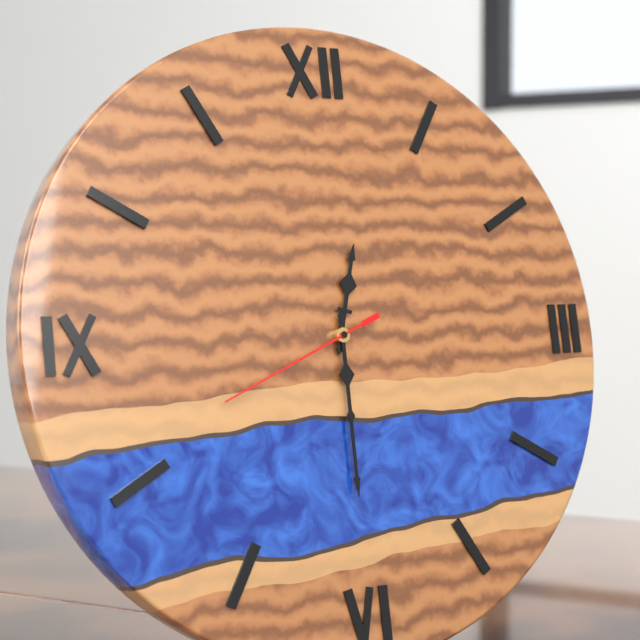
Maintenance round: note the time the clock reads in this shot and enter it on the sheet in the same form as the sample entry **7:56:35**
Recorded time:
**12:30:41**
